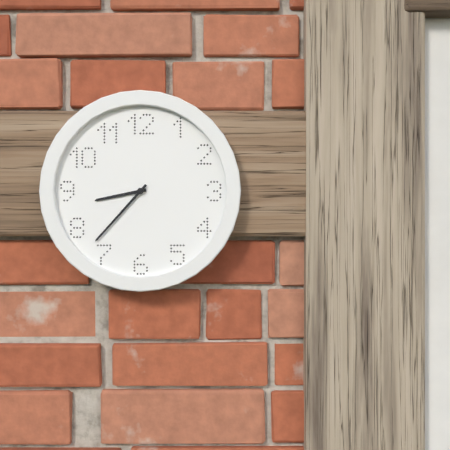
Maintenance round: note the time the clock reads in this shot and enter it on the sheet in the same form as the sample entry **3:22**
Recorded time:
**8:37**
